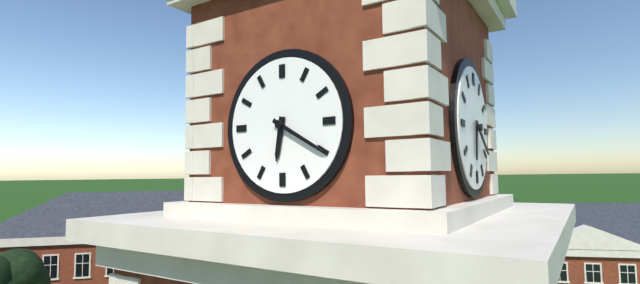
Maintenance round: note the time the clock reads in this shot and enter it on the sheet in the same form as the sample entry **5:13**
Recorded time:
**6:20**
